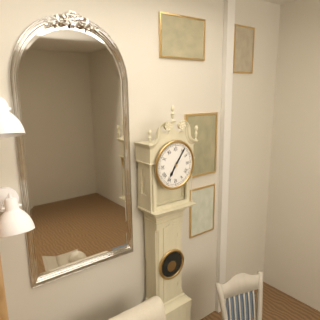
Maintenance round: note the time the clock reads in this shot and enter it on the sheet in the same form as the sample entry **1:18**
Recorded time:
**7:06**
